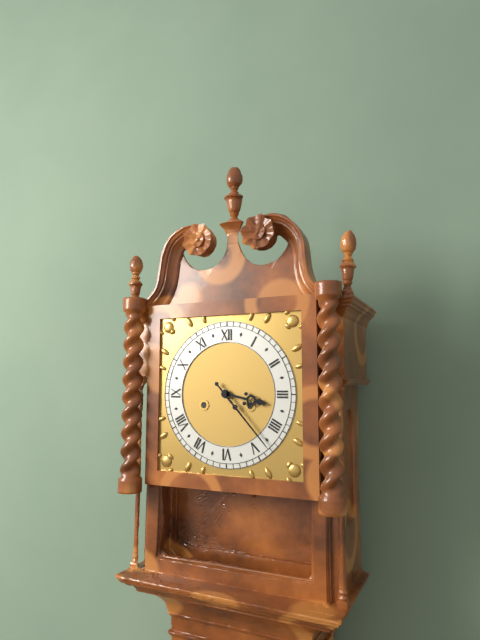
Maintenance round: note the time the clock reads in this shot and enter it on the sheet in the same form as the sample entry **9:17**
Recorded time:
**3:23**
